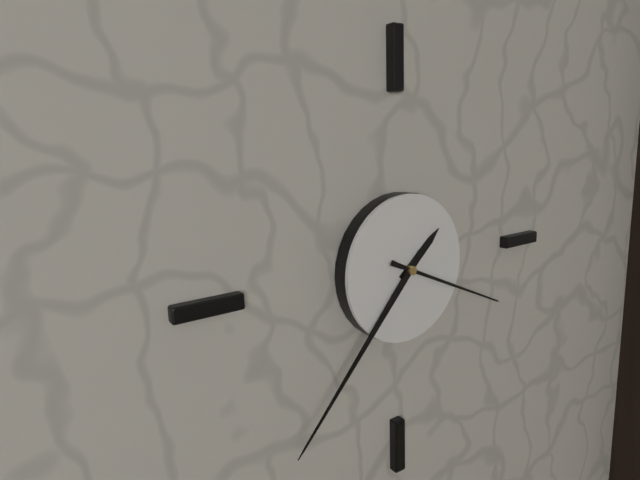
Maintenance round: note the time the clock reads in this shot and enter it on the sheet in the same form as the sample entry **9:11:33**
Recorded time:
**1:37:19**
